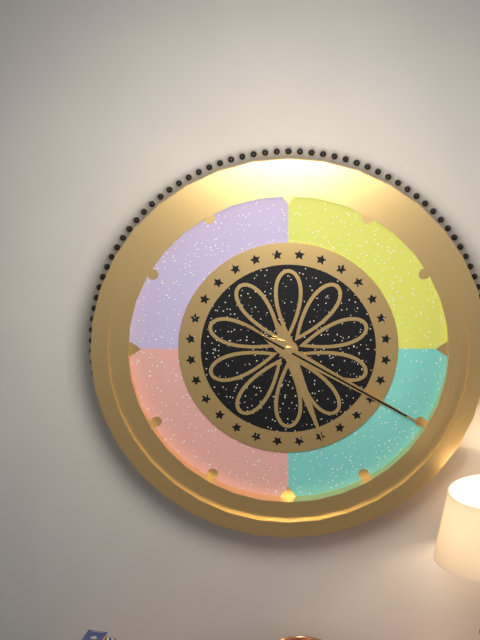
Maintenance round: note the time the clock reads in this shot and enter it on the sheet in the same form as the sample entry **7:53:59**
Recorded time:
**5:20:20**
